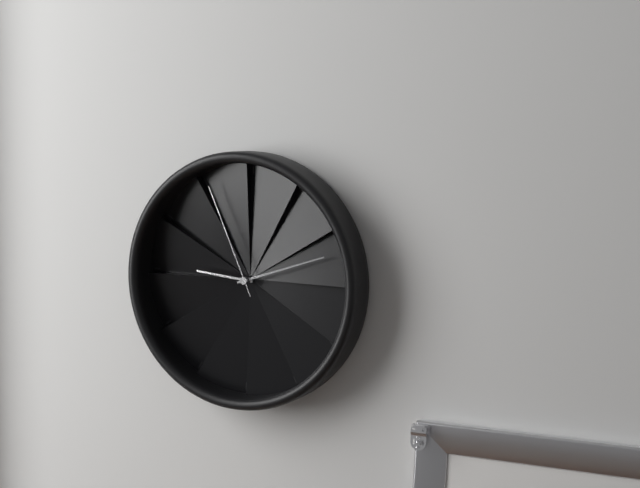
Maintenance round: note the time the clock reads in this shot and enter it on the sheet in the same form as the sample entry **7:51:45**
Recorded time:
**9:12:56**
